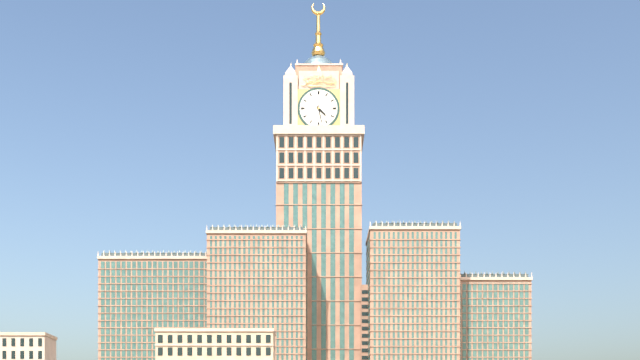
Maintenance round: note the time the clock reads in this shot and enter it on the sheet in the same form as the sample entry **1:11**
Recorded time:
**4:28**
